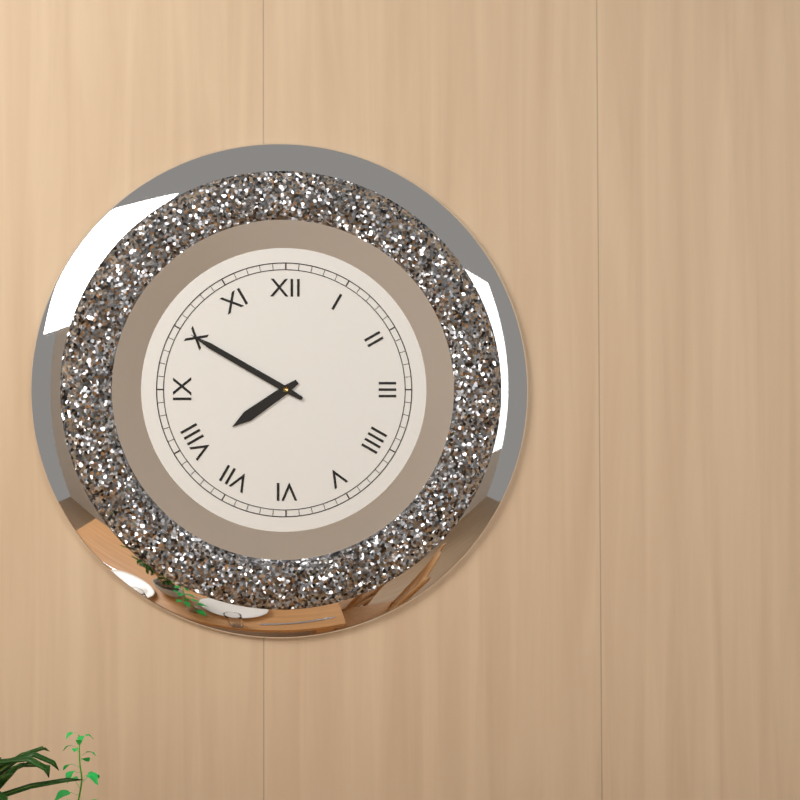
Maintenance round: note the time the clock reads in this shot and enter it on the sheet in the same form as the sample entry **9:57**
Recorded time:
**7:50**
